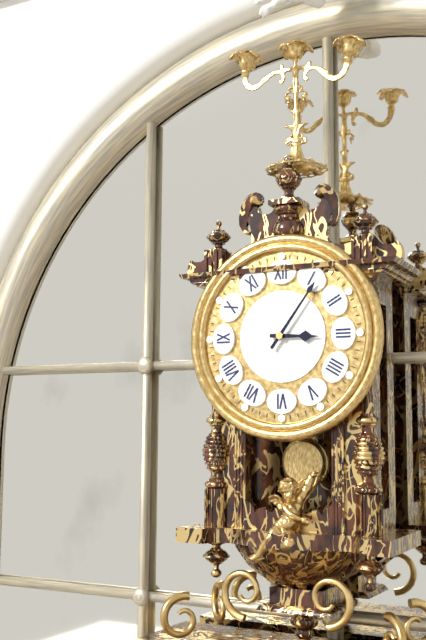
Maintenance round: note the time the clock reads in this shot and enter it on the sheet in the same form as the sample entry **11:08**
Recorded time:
**3:06**
